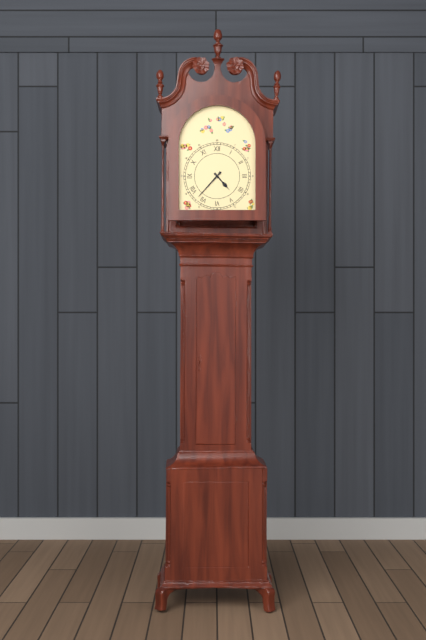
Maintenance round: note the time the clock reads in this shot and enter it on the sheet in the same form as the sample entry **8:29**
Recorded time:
**4:37**
